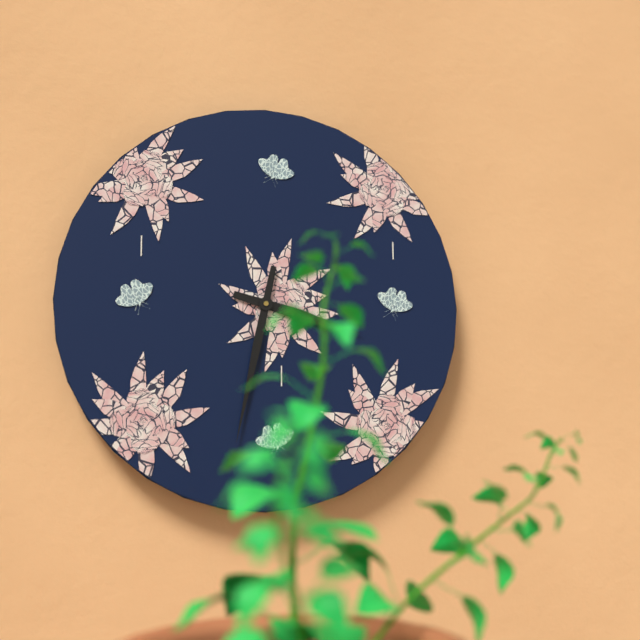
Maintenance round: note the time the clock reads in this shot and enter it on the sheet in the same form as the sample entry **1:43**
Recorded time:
**3:32**
